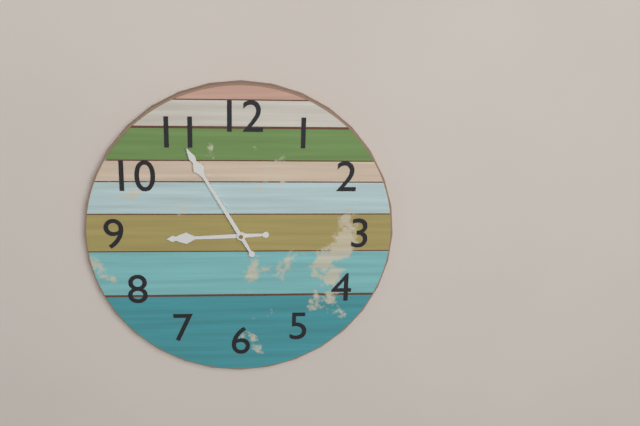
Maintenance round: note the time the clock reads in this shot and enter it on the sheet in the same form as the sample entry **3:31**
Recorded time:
**8:55**
